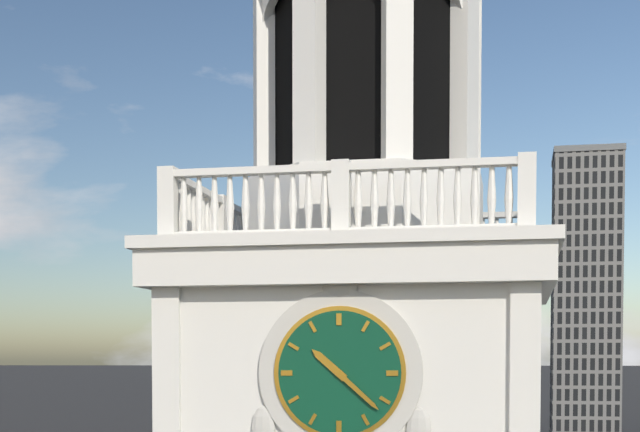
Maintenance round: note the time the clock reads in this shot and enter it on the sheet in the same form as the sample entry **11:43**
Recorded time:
**10:22**
